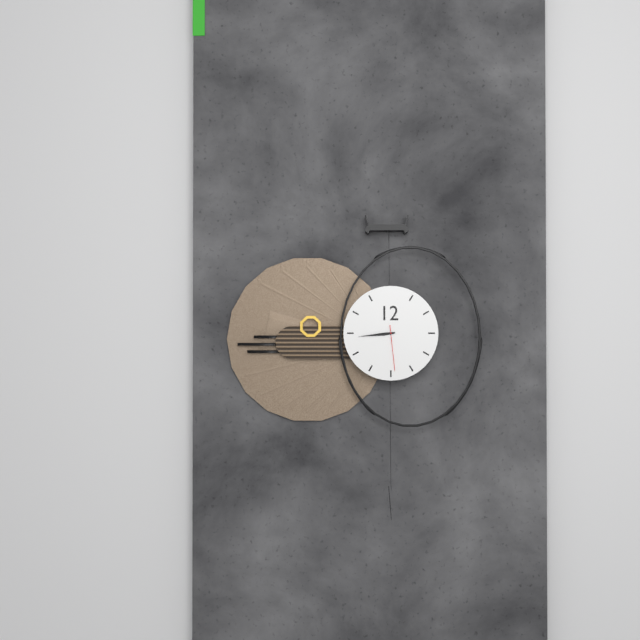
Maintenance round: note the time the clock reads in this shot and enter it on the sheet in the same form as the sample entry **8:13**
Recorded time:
**8:44**
